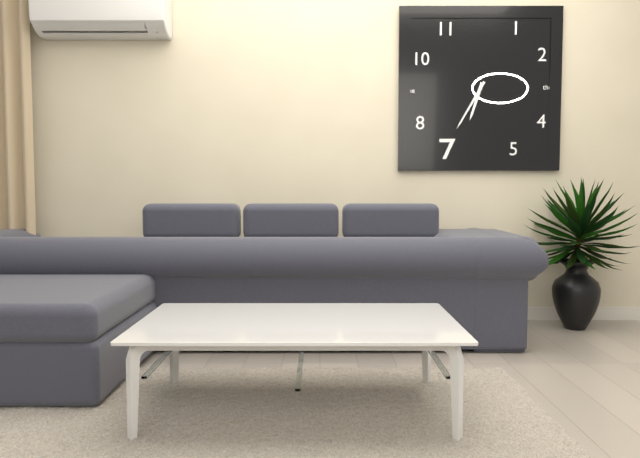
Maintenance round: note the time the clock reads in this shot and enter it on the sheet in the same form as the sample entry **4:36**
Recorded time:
**6:35**
